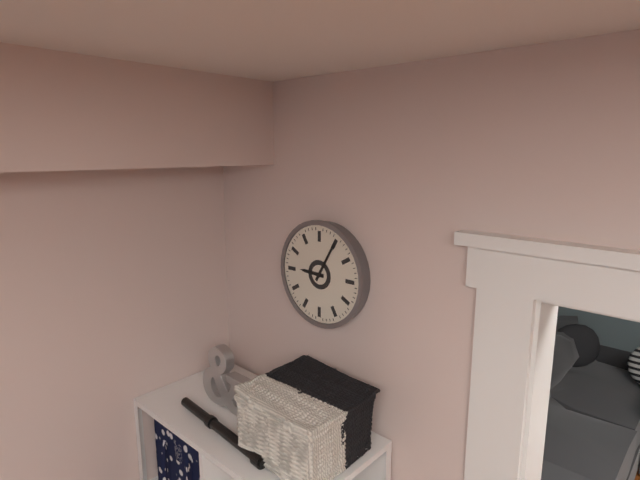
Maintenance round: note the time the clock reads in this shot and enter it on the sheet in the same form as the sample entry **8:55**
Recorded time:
**9:05**
